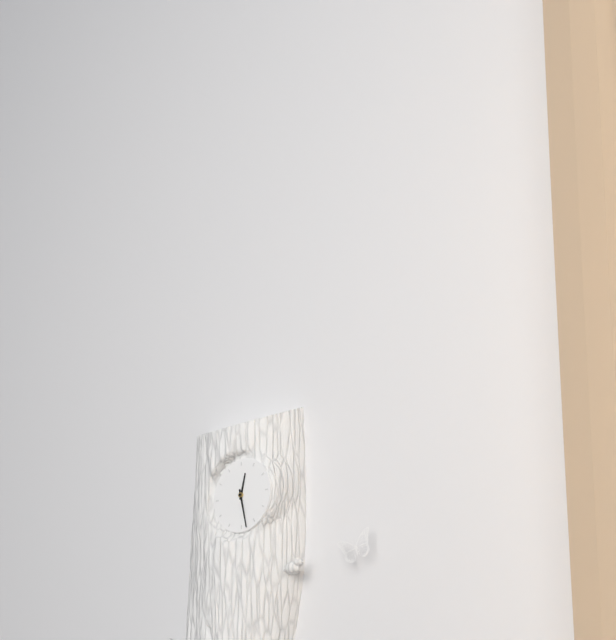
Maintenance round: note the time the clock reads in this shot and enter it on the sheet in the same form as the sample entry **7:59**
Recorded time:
**12:28**
